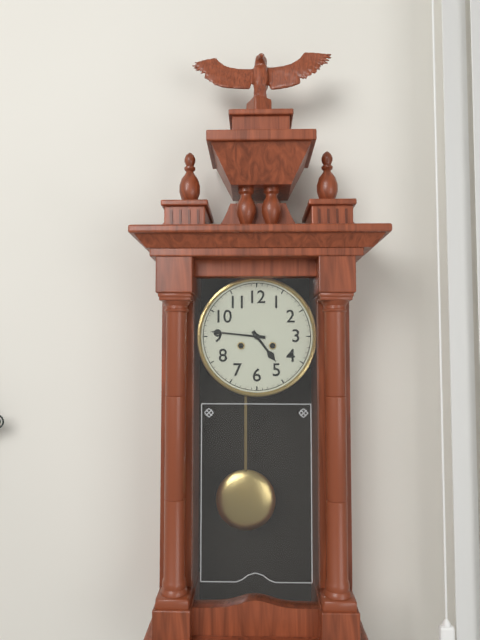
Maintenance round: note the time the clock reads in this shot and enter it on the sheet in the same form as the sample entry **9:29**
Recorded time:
**4:46**
